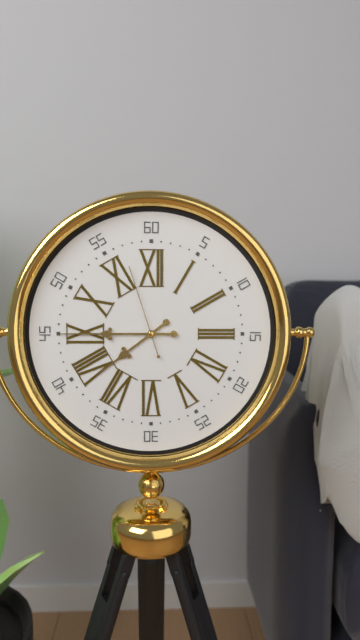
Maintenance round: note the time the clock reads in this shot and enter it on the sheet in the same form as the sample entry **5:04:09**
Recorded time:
**7:45:57**
